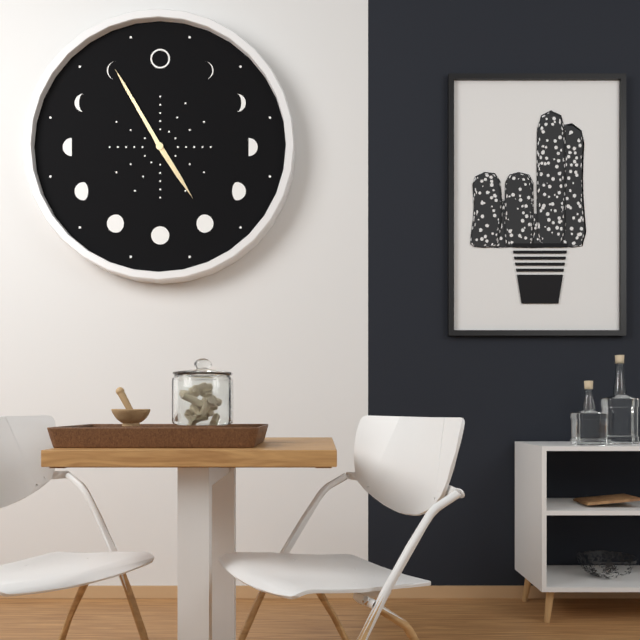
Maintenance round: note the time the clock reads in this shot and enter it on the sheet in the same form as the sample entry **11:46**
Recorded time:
**4:55**
